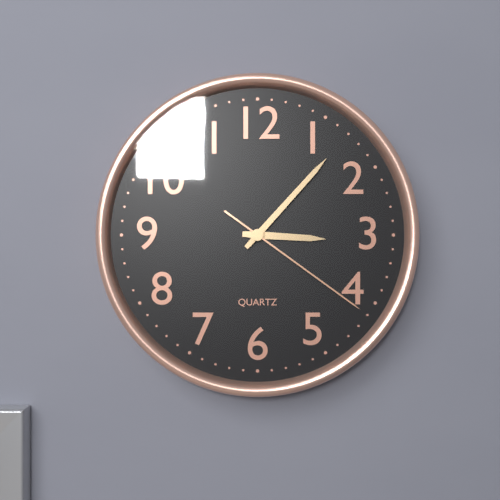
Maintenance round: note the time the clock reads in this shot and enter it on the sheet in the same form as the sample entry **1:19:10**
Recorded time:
**3:07:21**
